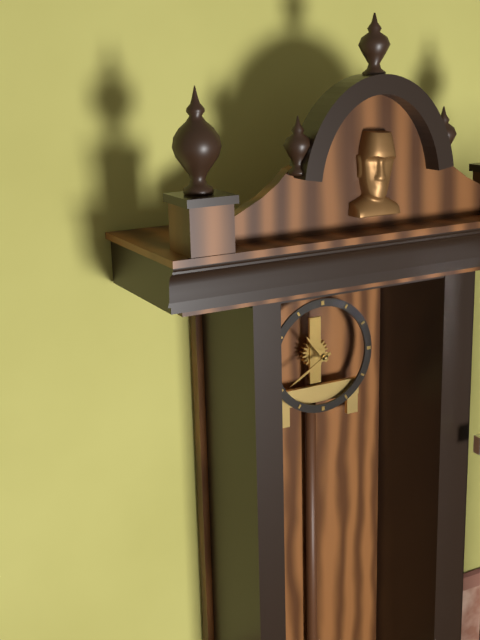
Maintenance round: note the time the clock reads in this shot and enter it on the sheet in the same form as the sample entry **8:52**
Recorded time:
**10:40**
